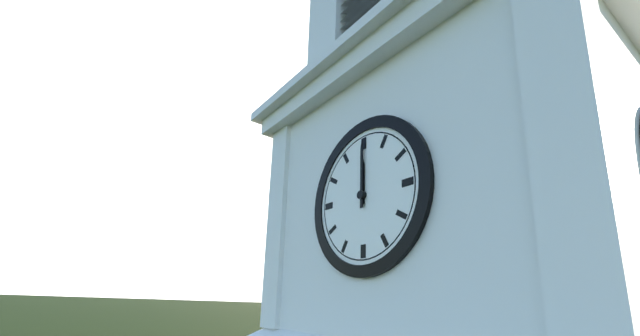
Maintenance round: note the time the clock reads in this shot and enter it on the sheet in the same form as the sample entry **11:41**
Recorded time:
**12:00**
